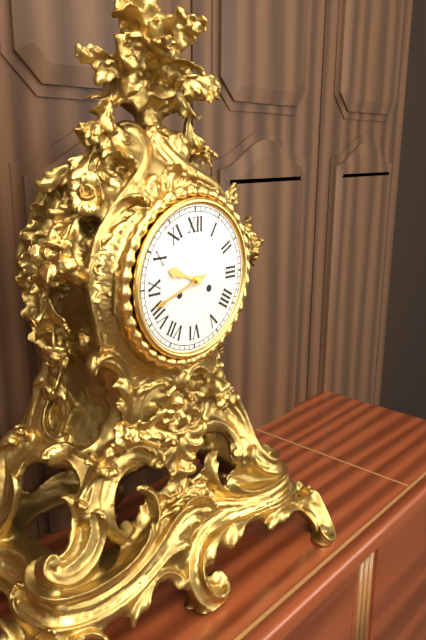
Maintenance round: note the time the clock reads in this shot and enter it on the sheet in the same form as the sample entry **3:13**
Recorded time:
**9:42**
